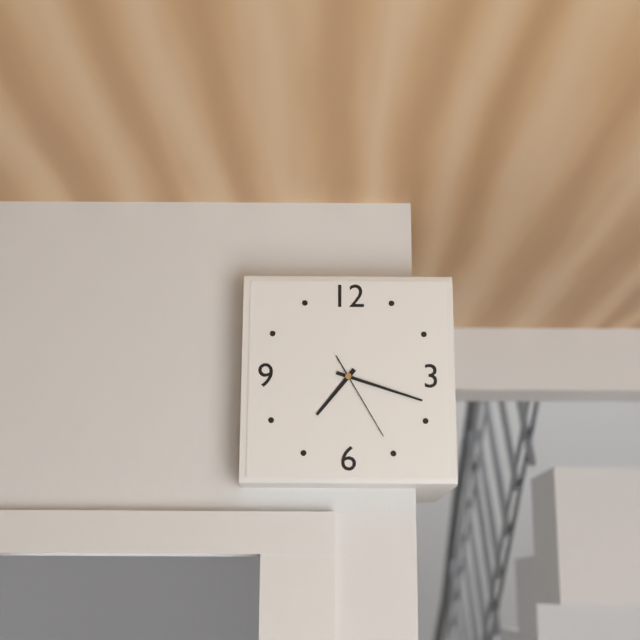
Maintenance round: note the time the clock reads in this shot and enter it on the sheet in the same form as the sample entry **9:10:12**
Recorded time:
**7:18:25**
